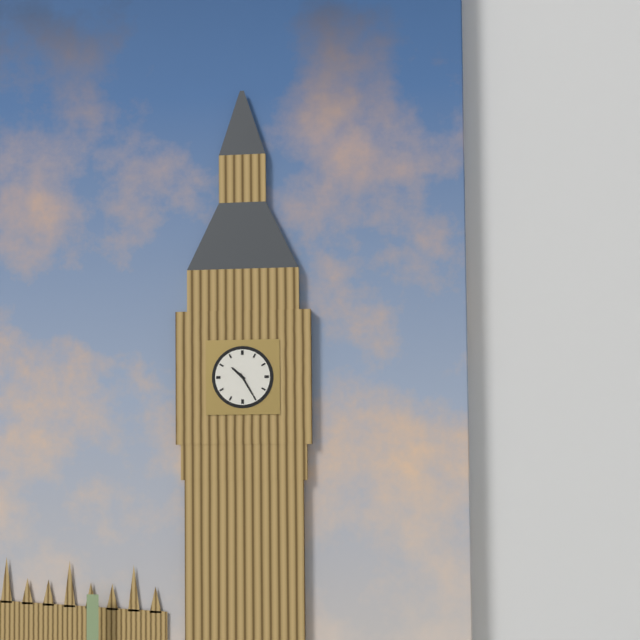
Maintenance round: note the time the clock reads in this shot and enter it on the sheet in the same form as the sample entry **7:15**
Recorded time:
**10:25**
